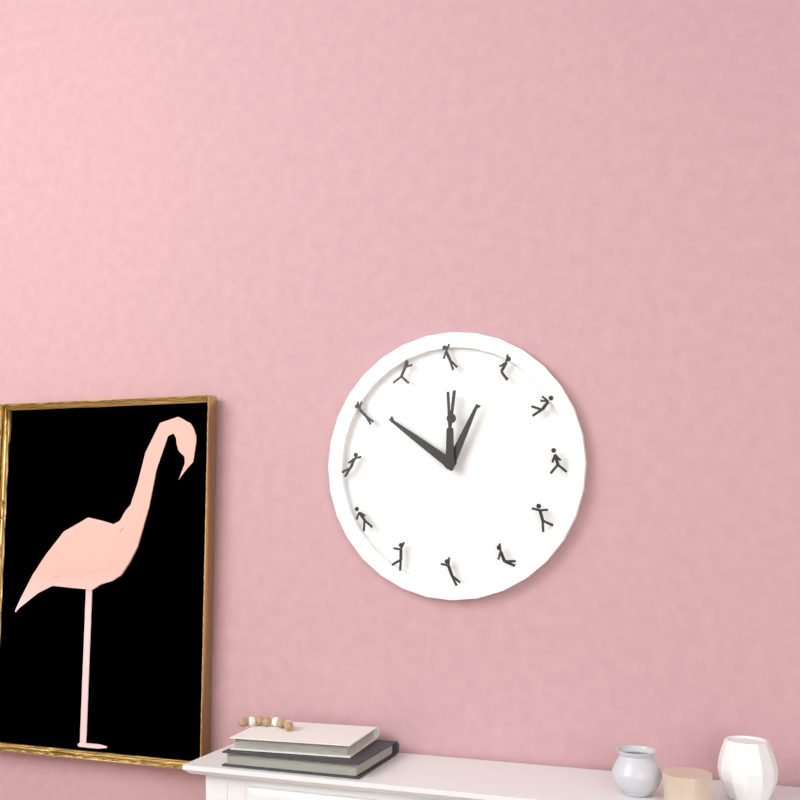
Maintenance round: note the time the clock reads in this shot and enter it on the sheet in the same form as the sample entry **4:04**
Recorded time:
**12:51**
